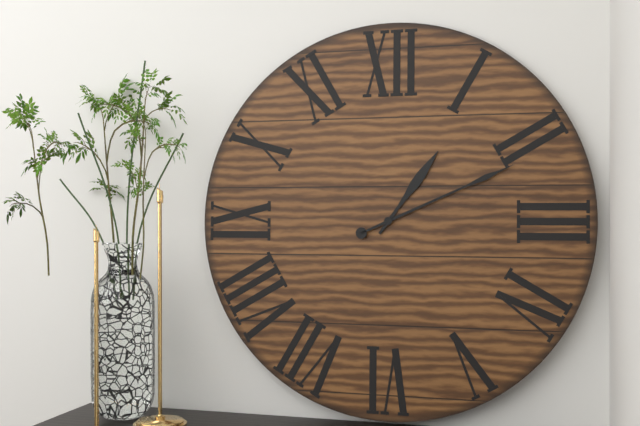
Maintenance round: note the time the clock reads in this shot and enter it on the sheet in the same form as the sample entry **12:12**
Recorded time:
**1:11**
